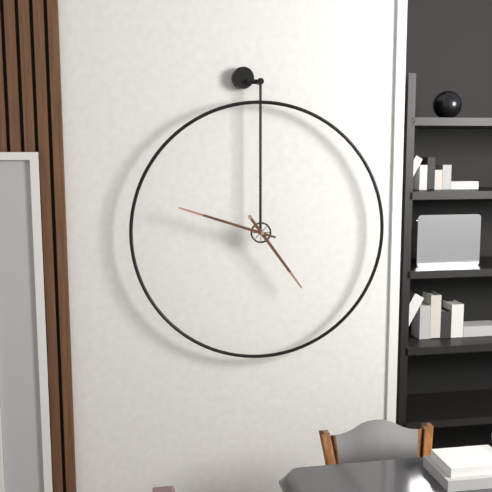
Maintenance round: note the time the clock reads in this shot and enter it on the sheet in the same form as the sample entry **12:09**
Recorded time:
**4:48**
